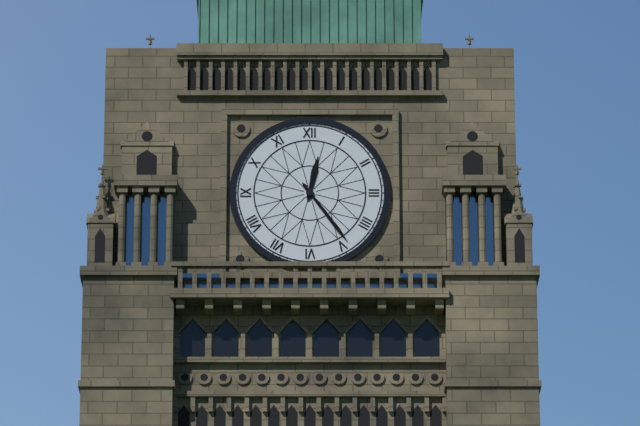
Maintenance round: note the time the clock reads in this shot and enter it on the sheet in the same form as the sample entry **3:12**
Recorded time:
**12:24**
